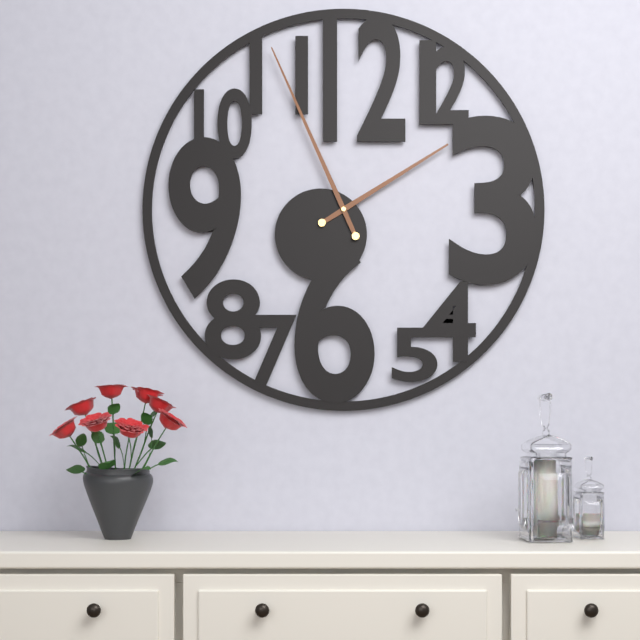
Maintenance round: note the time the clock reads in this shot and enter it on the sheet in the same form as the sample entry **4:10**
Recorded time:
**1:56**
